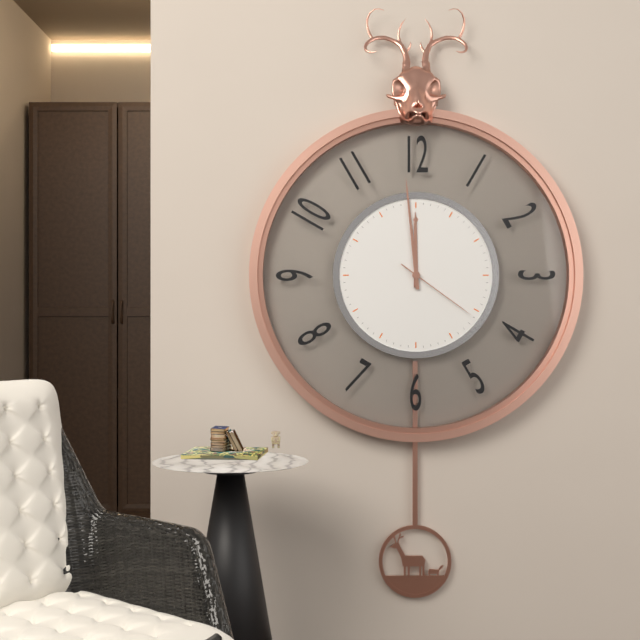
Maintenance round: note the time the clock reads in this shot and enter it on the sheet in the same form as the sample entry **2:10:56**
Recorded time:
**11:59:21**
